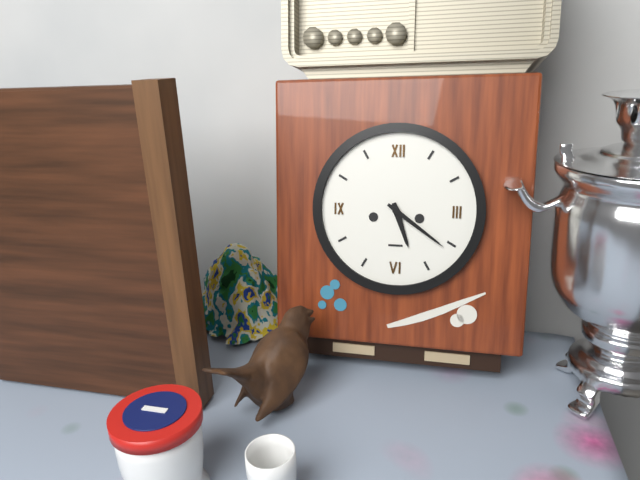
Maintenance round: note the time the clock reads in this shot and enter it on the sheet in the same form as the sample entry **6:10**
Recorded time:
**5:21**
